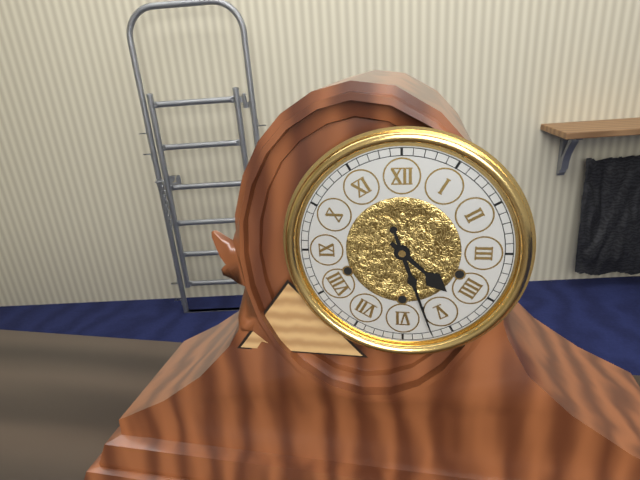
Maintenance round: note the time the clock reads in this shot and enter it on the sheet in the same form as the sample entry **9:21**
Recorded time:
**4:27**
